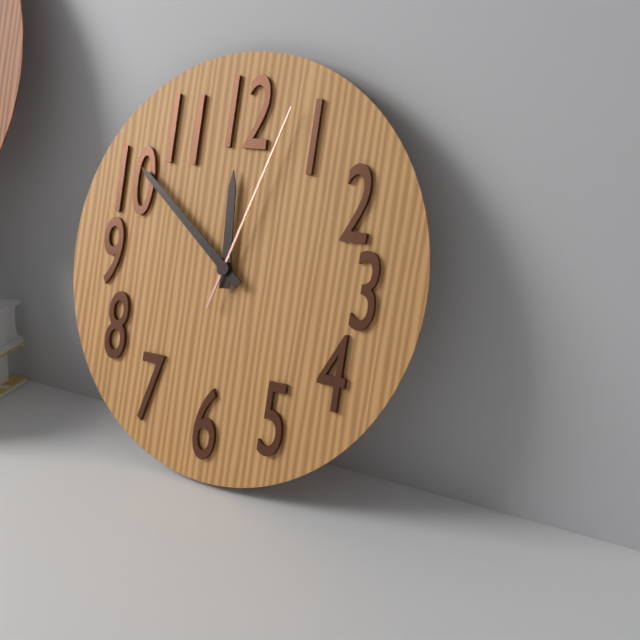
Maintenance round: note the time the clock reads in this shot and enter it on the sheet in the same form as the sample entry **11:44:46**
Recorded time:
**11:51:03**
